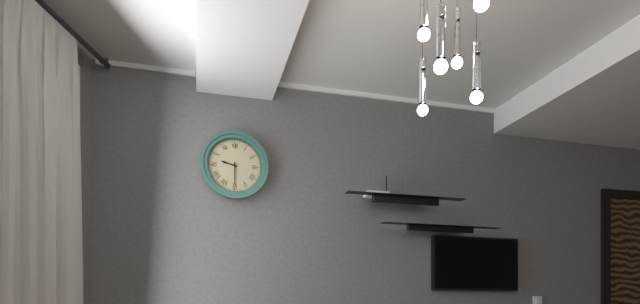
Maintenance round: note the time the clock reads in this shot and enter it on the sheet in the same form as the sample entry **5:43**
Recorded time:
**9:30**
